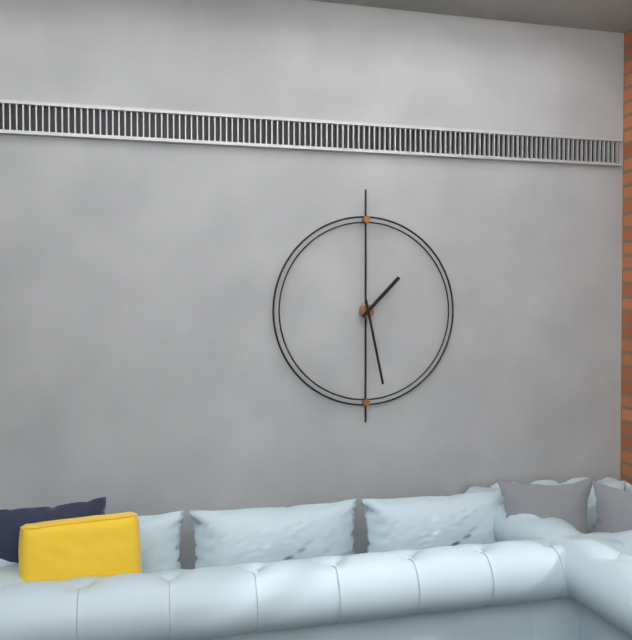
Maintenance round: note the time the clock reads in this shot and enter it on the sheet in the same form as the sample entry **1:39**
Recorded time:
**1:28**
